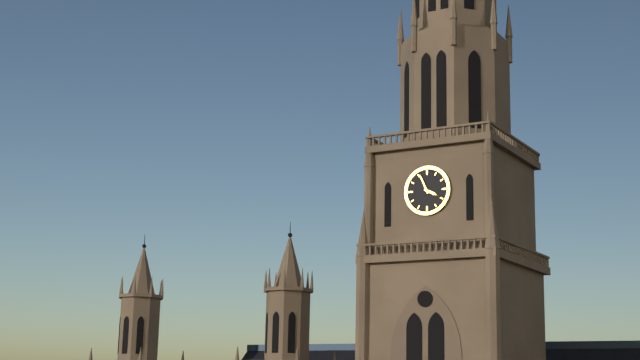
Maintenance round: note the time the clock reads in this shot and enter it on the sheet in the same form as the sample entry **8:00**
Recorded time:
**3:56**
